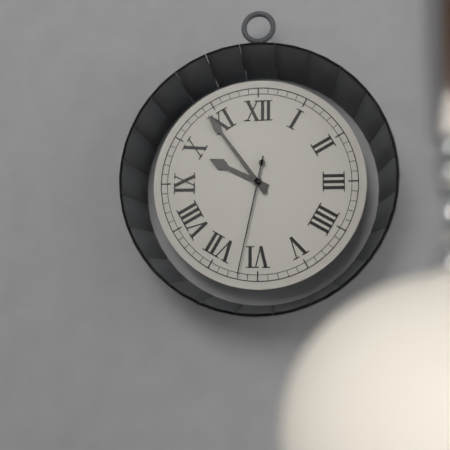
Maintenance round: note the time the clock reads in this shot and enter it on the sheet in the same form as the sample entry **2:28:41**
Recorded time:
**9:54:32**
